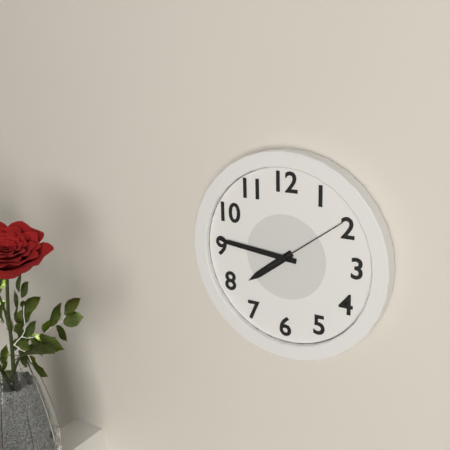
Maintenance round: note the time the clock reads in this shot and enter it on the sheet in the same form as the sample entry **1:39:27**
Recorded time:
**7:46:09**
